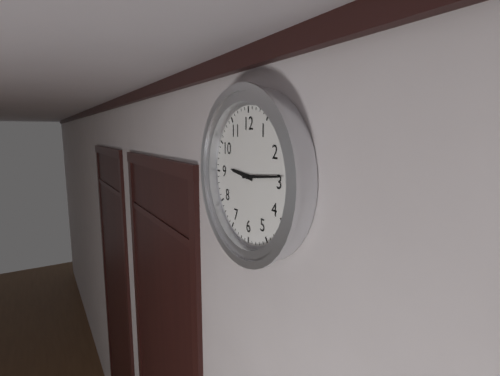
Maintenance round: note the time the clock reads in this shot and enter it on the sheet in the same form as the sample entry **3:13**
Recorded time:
**9:14**
